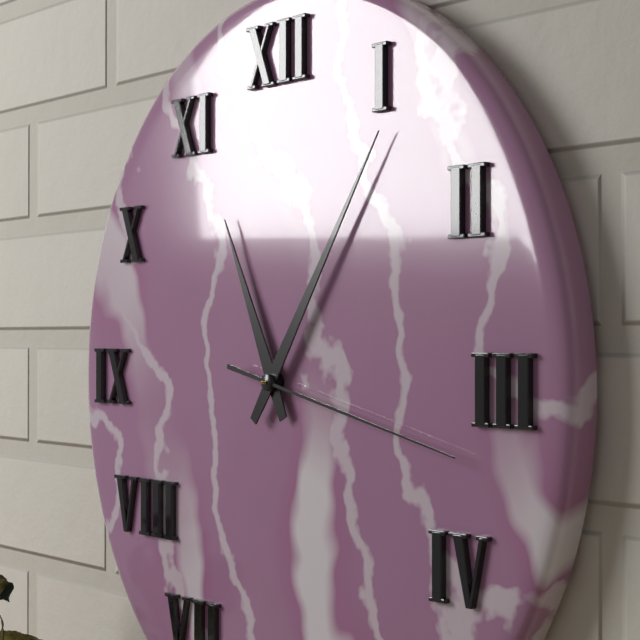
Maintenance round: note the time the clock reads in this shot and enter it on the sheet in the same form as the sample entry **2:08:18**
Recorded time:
**11:06:17**
